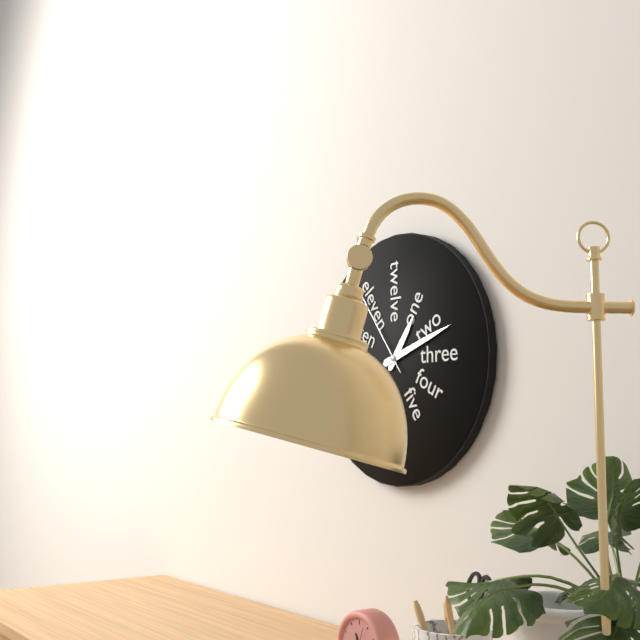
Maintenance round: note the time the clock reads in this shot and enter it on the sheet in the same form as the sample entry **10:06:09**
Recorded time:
**1:12:54**
